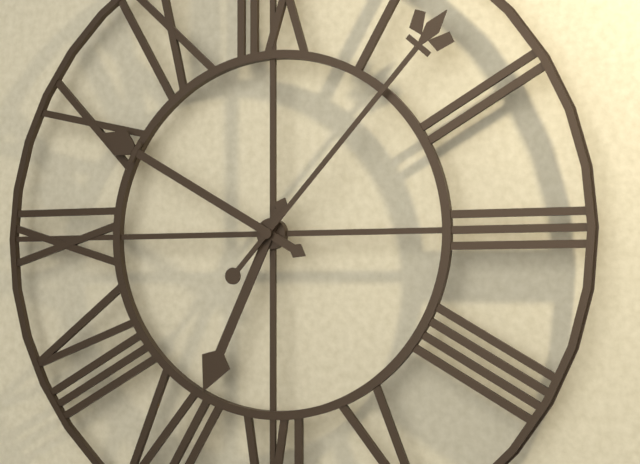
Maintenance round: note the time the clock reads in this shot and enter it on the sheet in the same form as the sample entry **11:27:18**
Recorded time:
**6:50:07**
